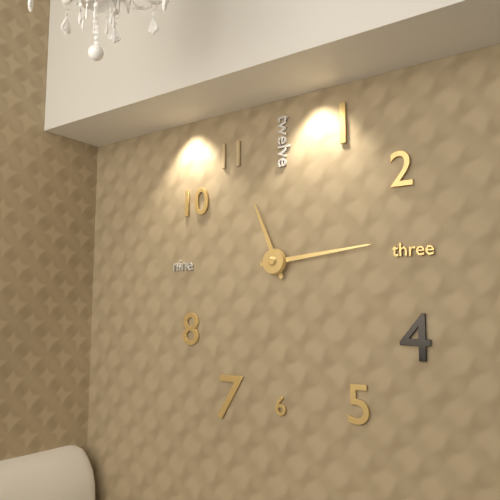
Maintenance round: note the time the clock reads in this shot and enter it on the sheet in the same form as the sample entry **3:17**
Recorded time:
**11:14**
